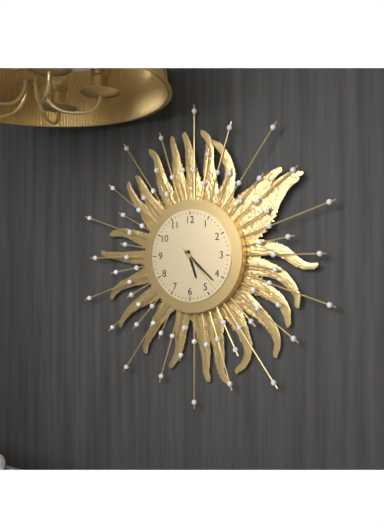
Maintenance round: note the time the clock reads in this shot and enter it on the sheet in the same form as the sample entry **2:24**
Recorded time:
**5:22**
